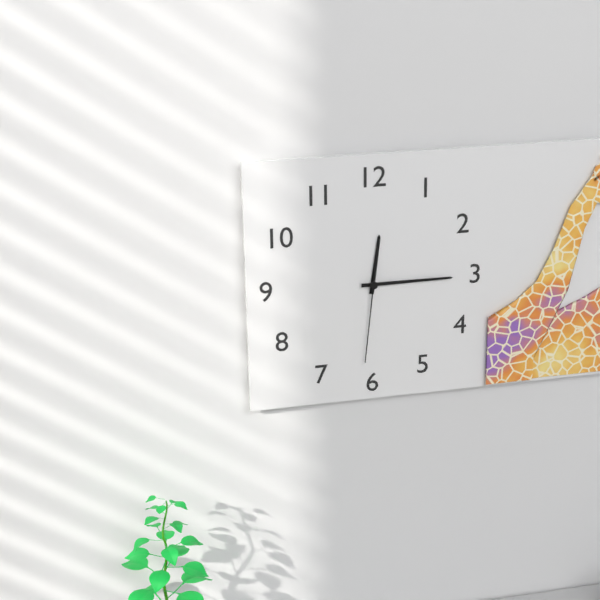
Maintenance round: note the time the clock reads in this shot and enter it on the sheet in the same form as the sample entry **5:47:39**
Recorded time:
**12:15:31**
